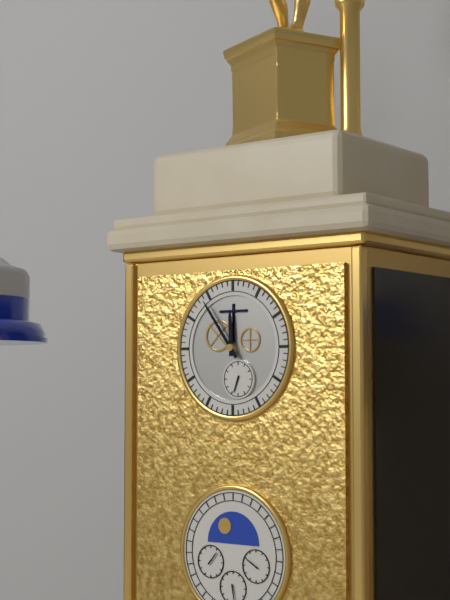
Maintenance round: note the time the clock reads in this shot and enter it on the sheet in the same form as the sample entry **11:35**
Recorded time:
**11:54**
